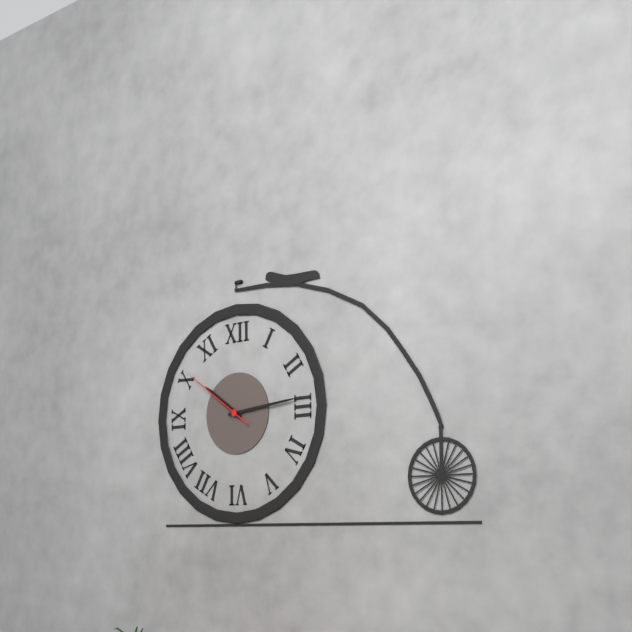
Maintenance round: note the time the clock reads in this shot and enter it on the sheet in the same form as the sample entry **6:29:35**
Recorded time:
**10:14:51**
